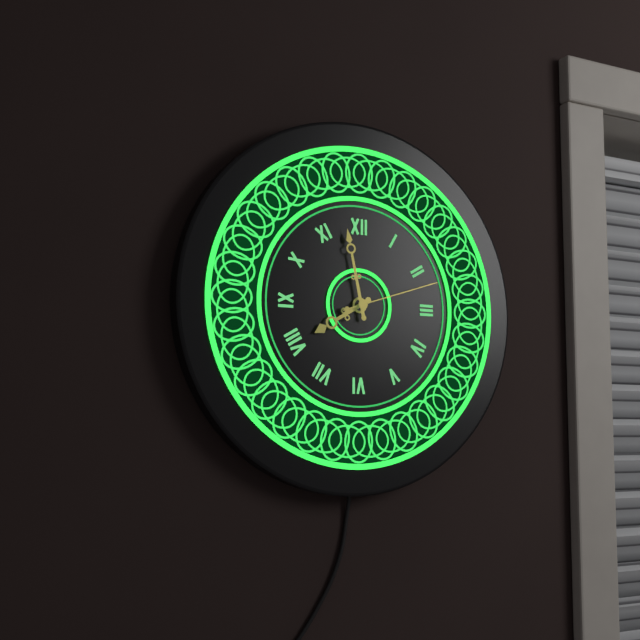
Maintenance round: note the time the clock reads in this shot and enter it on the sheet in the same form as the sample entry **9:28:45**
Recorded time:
**7:58:12**
